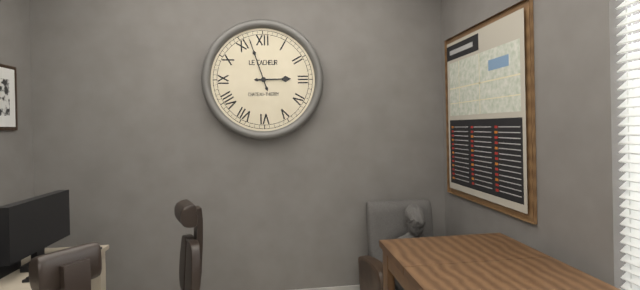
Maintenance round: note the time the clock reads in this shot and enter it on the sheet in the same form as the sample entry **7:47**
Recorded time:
**2:57**
